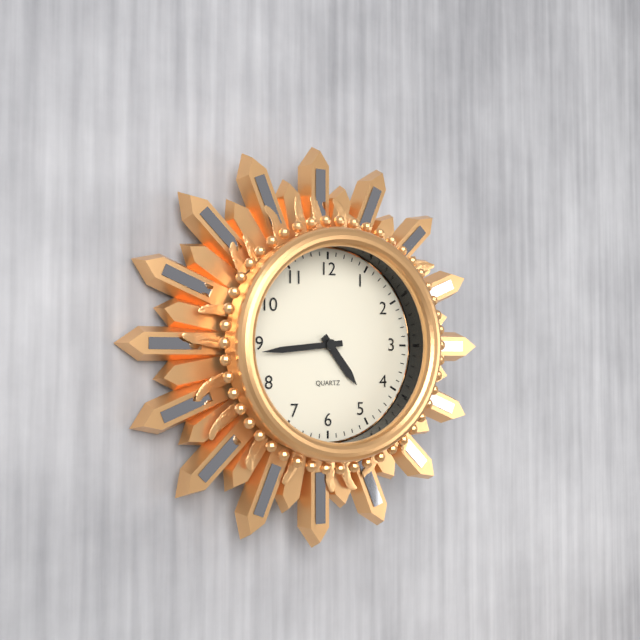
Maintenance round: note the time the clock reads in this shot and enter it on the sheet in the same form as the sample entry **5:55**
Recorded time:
**4:44**
